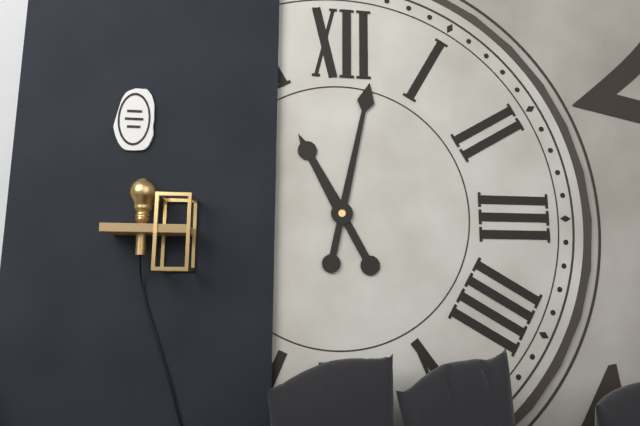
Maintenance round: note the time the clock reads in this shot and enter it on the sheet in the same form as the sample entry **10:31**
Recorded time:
**11:02**
